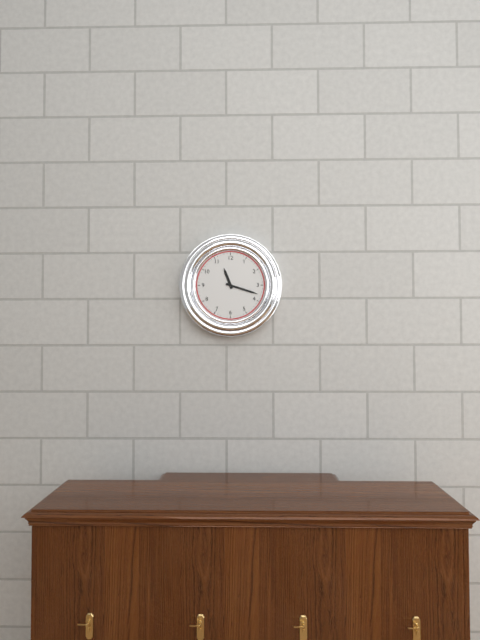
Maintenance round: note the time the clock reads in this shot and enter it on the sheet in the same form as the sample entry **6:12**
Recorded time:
**11:18**
